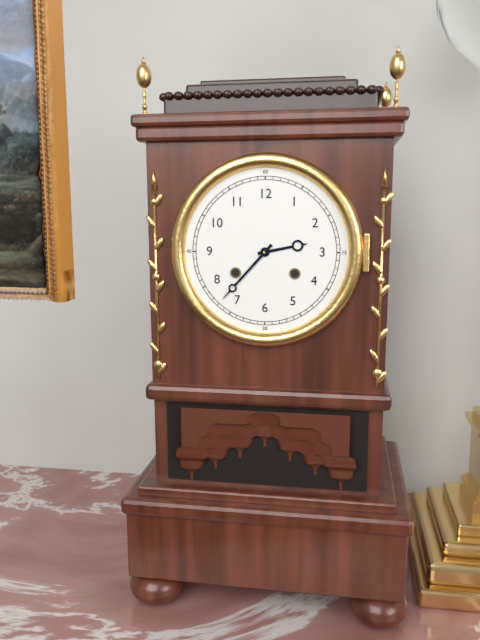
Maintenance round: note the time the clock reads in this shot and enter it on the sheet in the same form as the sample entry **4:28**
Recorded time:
**2:37**
